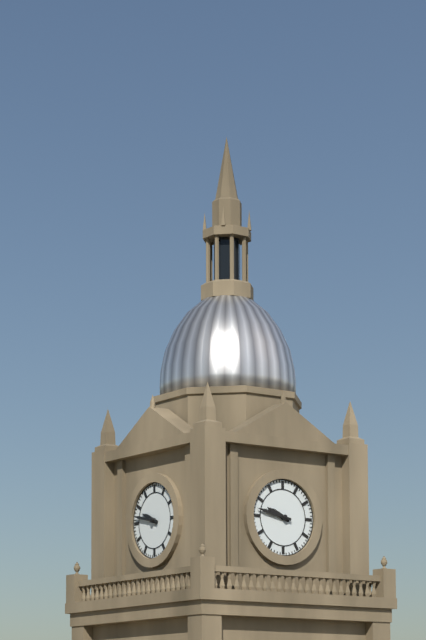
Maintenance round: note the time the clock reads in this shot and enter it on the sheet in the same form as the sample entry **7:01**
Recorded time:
**9:47**
